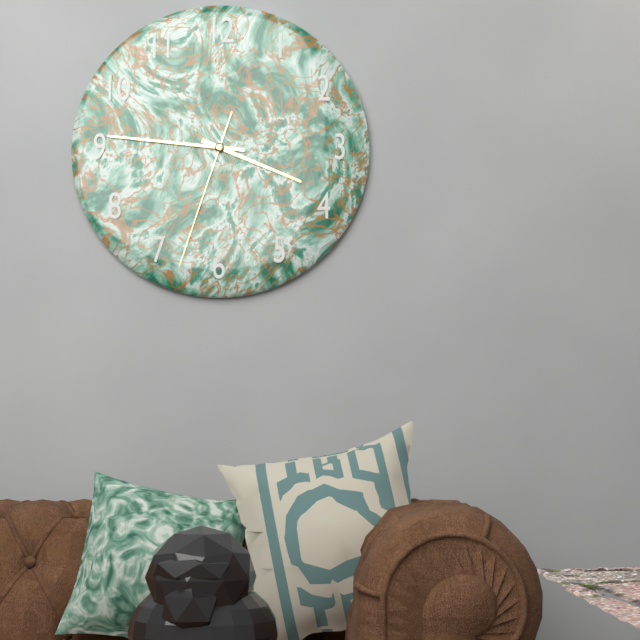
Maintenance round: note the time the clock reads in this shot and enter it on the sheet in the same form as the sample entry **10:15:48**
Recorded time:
**3:46:33**
